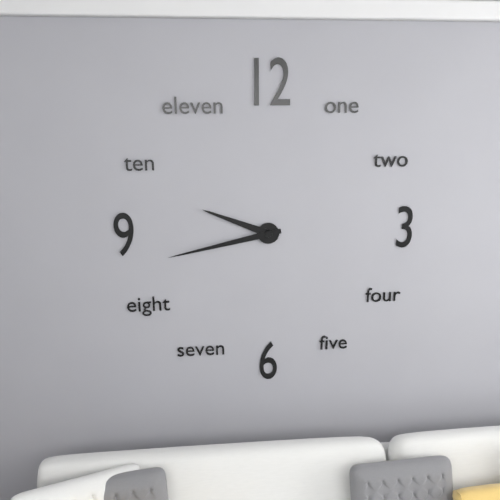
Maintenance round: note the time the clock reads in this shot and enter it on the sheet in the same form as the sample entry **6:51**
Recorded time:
**9:43**
